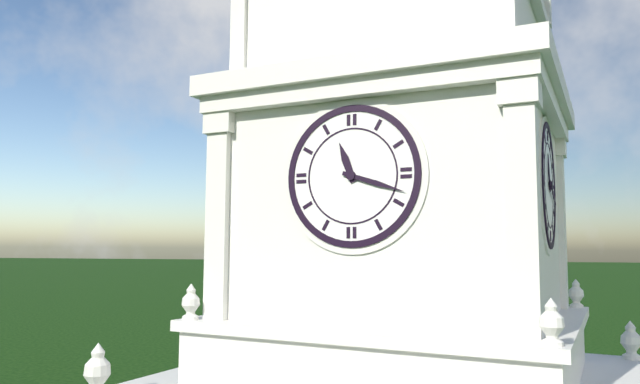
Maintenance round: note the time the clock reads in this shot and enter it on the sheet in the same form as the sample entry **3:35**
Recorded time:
**11:18**
